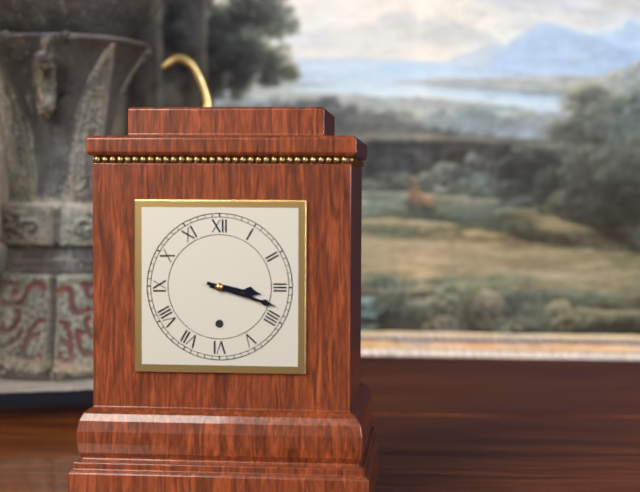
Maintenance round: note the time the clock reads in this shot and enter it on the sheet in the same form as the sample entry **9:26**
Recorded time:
**3:18**
